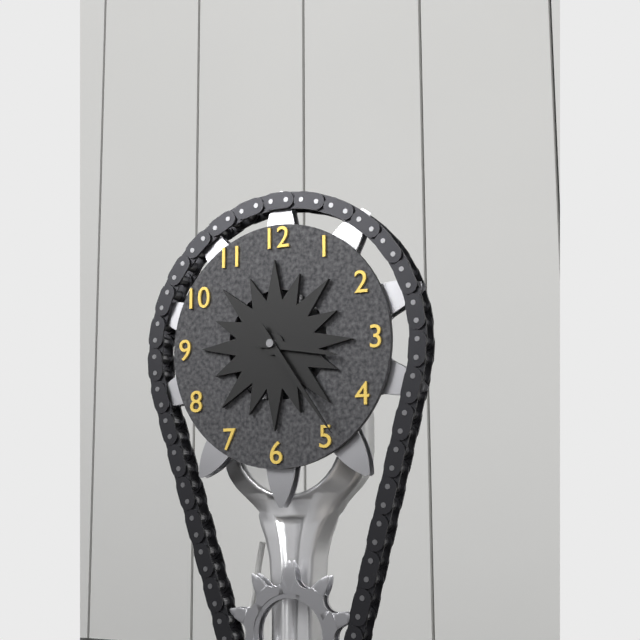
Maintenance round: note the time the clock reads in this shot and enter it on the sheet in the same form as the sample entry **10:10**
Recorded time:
**3:24**
